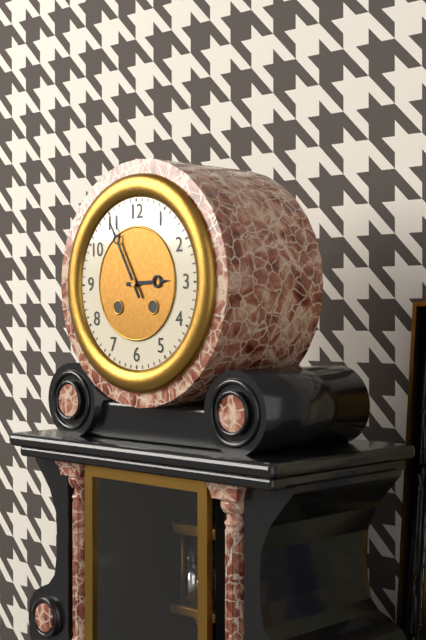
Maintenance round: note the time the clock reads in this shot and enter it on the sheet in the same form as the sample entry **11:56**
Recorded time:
**2:55**
